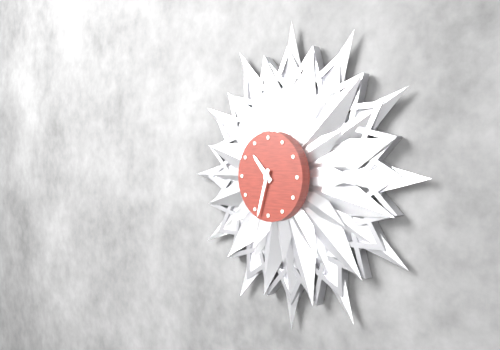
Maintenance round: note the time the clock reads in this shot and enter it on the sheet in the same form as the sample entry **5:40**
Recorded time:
**10:33**
